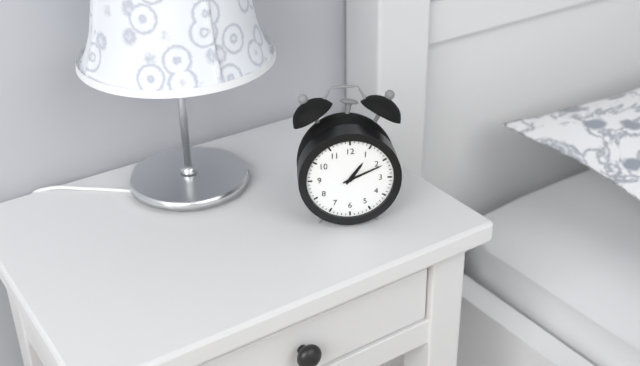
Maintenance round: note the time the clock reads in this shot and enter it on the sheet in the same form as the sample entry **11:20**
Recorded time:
**1:11**
